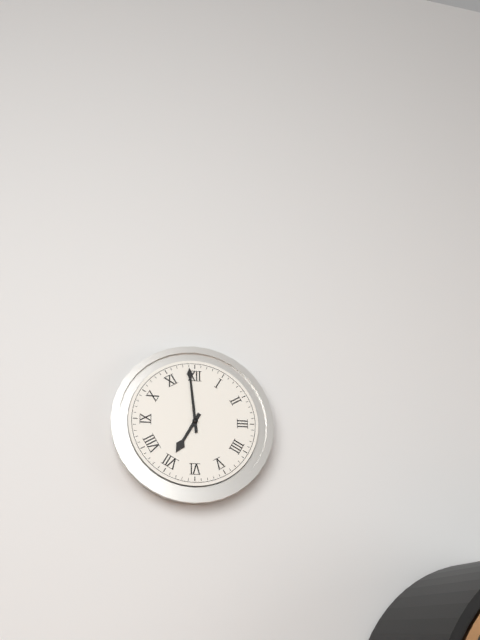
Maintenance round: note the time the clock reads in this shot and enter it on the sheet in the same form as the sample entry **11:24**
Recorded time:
**6:59**
